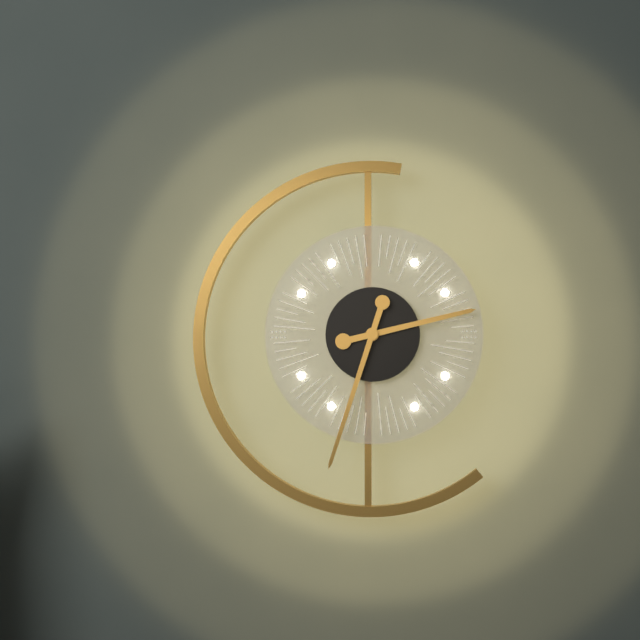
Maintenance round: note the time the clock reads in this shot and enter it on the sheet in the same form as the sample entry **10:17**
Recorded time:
**2:33**
